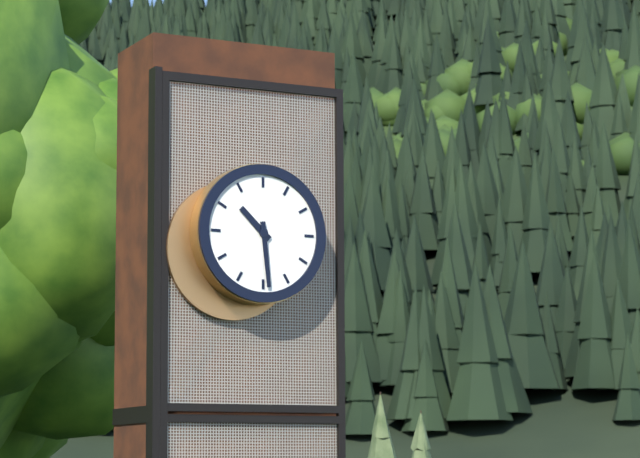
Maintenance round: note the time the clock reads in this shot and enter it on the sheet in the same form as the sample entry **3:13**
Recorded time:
**10:29**
